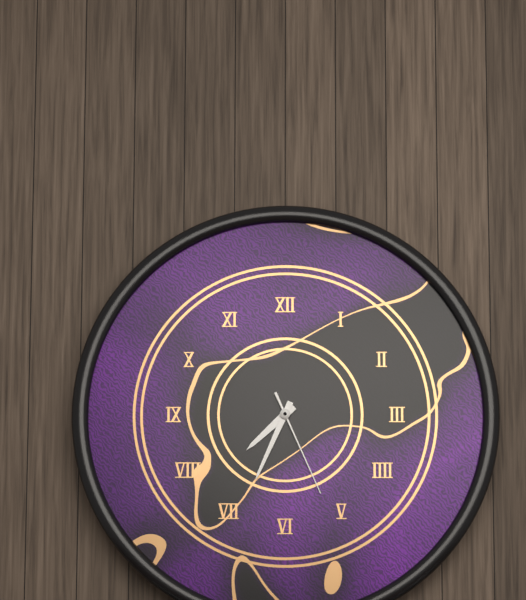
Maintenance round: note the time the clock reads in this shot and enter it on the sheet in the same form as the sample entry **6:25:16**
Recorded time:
**7:34:26**
